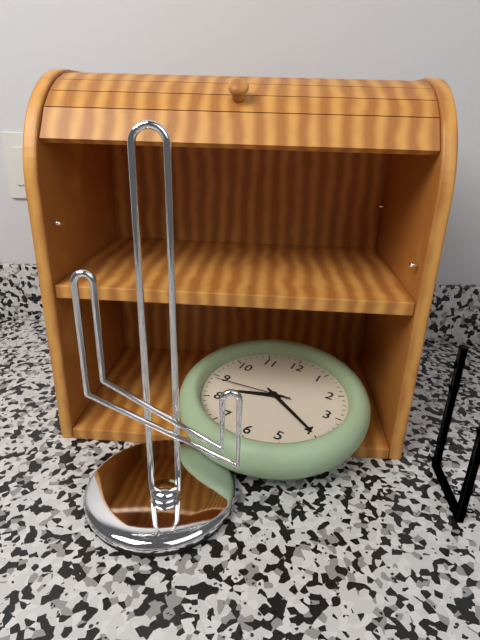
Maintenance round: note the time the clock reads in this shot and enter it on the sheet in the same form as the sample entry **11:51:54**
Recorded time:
**8:20:44**
